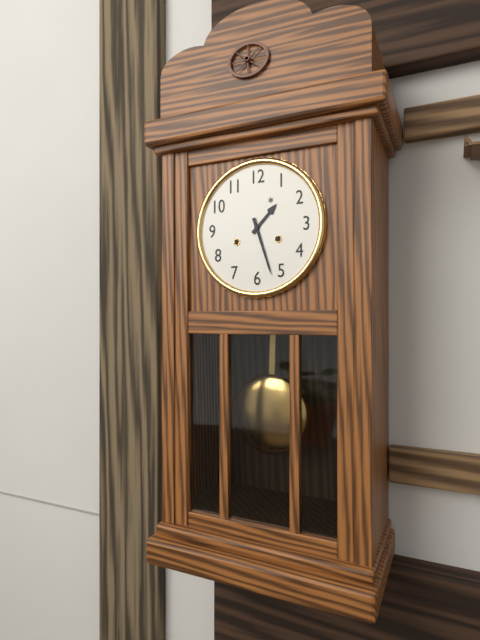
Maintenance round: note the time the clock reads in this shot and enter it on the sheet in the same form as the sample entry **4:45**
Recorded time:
**1:27**
